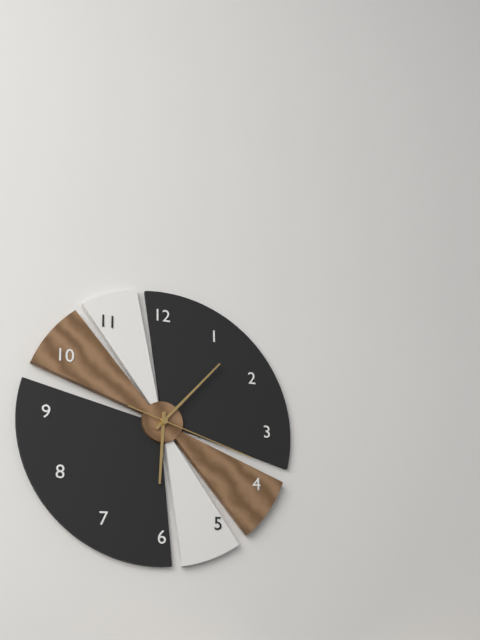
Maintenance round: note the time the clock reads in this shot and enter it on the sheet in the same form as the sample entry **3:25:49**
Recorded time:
**6:07:18**
